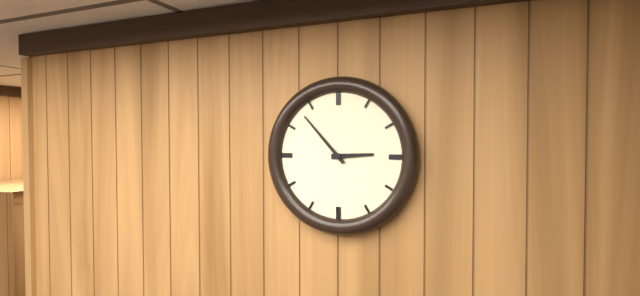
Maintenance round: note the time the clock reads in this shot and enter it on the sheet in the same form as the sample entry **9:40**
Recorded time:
**2:53**
